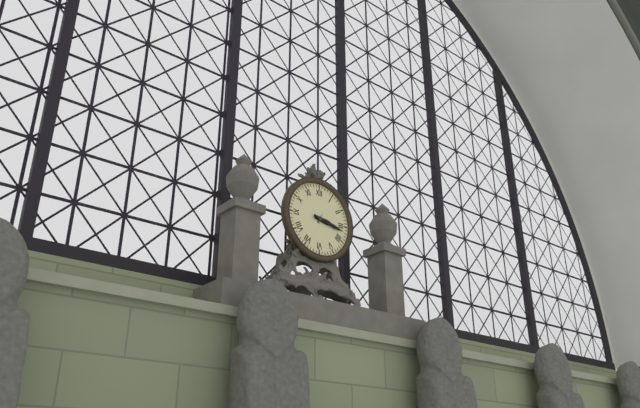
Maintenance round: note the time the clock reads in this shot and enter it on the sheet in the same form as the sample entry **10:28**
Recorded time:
**3:17**
